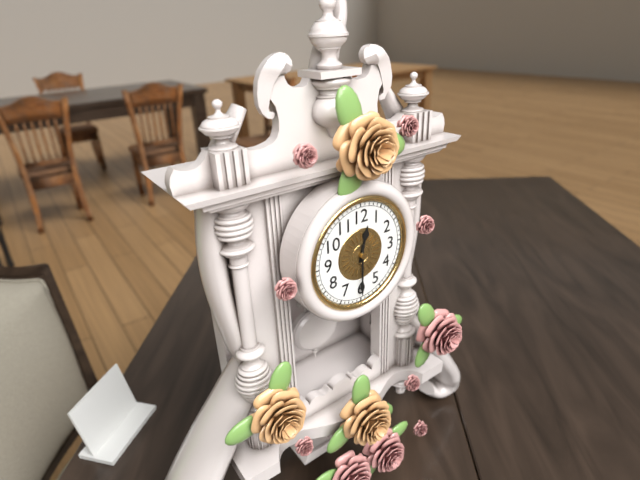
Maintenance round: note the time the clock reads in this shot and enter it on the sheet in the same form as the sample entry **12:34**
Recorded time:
**12:30**
